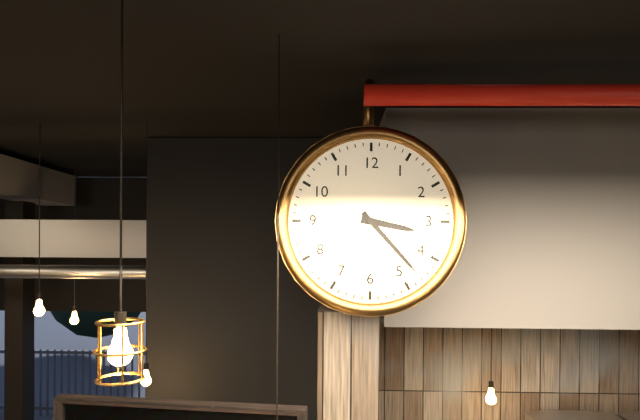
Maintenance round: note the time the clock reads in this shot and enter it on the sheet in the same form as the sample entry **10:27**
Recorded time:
**3:23**
